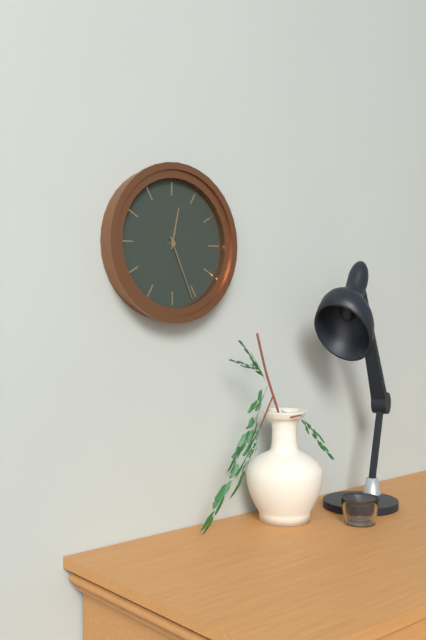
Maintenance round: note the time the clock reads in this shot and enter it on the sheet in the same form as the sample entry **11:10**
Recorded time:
**12:26**
